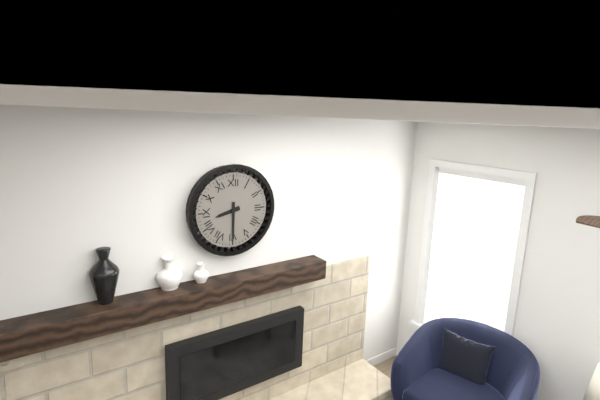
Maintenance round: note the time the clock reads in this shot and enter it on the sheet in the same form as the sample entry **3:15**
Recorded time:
**8:30**
